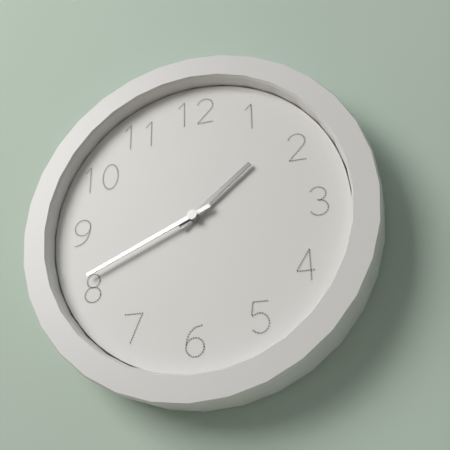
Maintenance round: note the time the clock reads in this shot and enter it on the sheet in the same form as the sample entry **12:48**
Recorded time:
**1:41**
